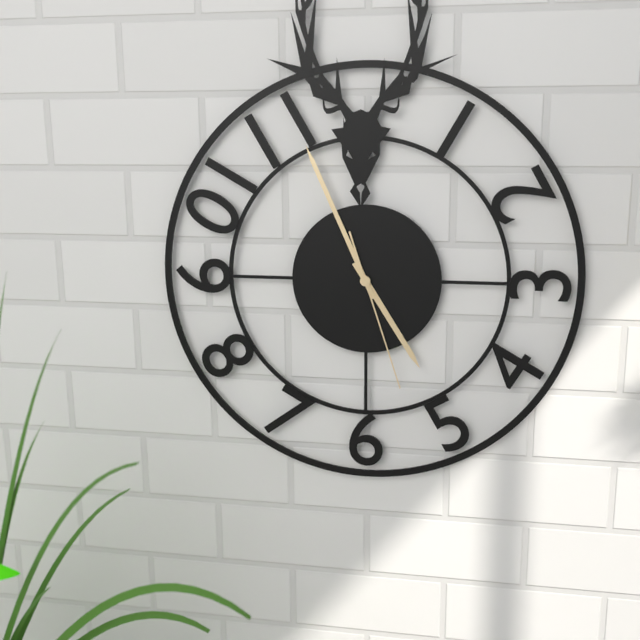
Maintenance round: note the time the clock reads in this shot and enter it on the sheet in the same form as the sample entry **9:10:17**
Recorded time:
**4:56:27**
